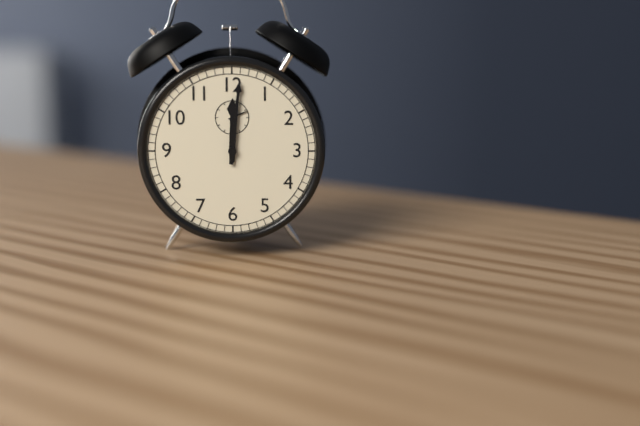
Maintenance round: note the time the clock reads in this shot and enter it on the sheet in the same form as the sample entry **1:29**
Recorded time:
**12:01**
